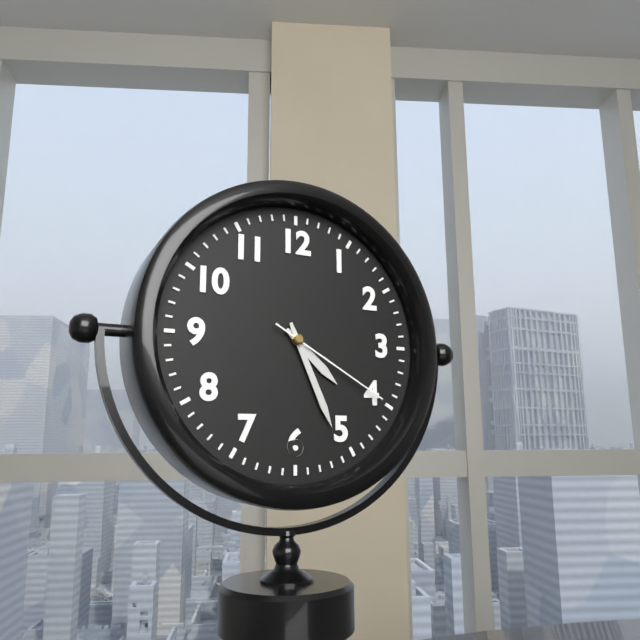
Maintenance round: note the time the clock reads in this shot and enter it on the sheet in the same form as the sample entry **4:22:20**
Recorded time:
**4:26:20**
